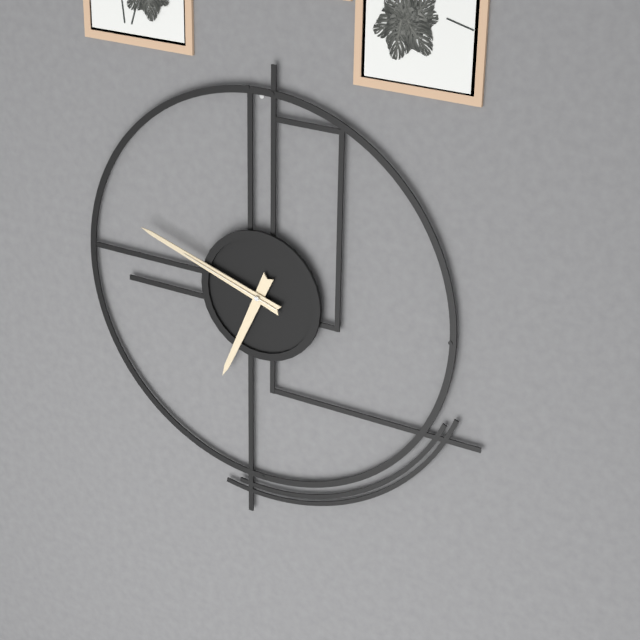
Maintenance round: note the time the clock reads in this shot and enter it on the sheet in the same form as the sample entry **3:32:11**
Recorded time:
**6:48:48**
